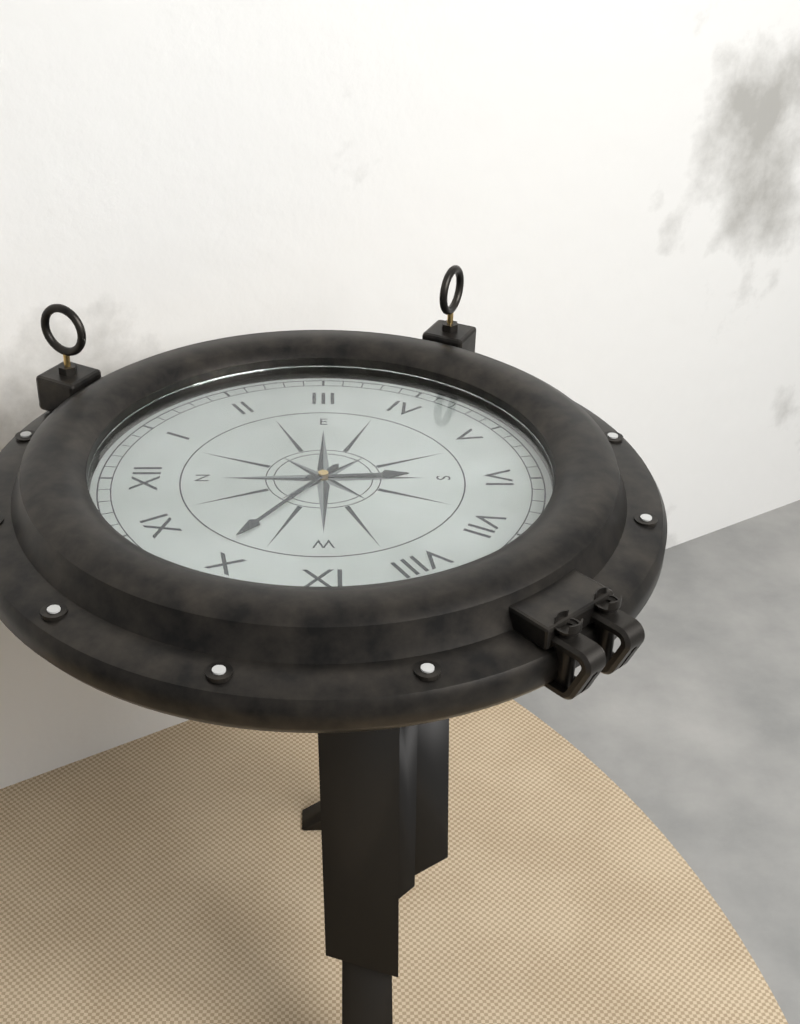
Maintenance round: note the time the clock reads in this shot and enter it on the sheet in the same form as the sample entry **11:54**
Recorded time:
**5:51**
